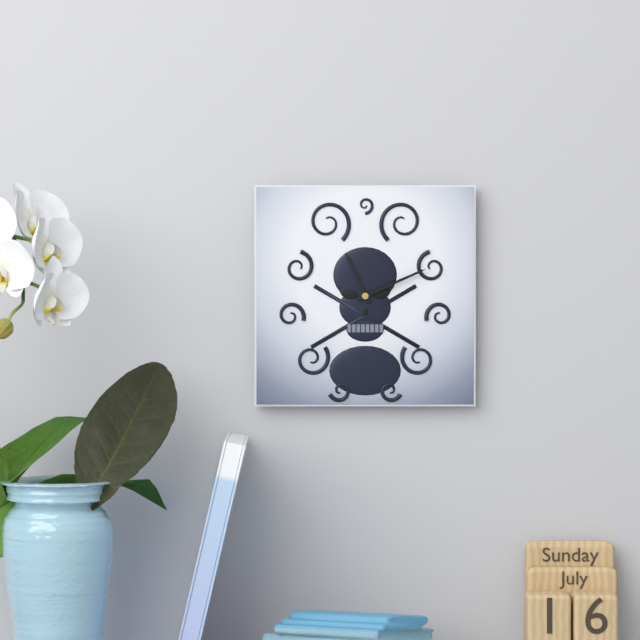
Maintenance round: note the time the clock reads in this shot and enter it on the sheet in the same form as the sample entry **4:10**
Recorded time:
**11:11**
